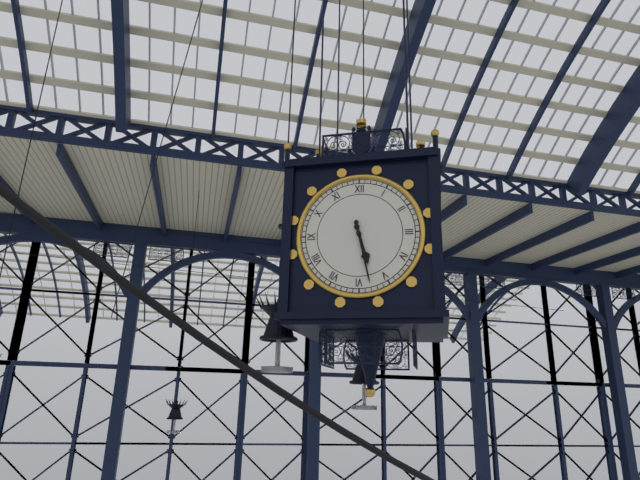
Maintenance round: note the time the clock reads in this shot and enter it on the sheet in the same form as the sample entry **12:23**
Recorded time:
**5:28**
